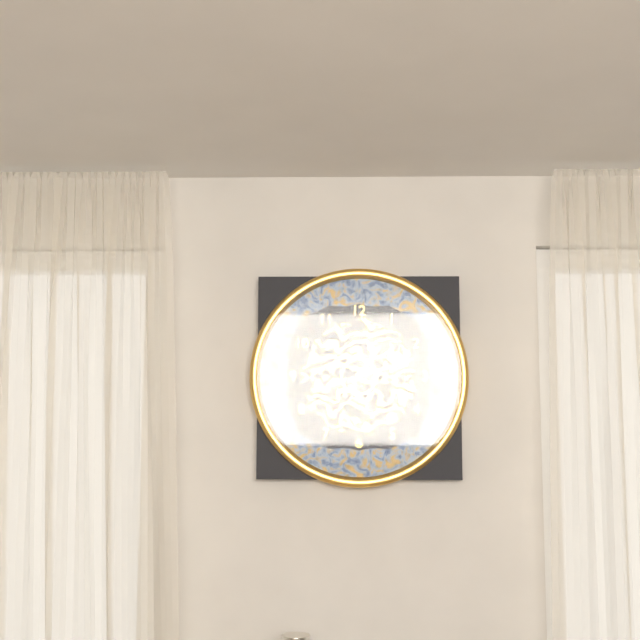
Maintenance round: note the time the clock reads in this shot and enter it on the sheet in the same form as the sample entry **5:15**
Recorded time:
**1:12**
